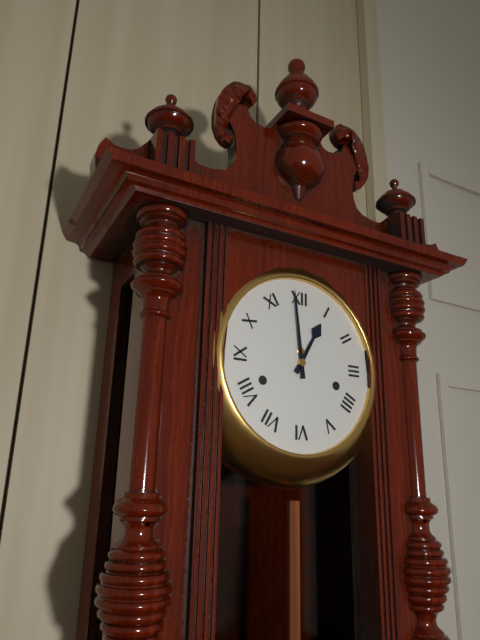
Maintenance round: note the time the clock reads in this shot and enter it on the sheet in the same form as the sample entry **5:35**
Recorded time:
**12:59**
